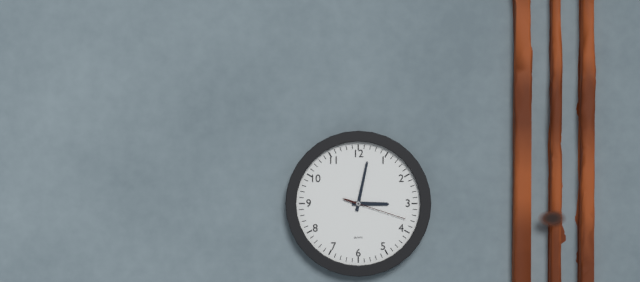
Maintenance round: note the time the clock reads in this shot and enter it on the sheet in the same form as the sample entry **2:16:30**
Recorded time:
**3:02:18**
